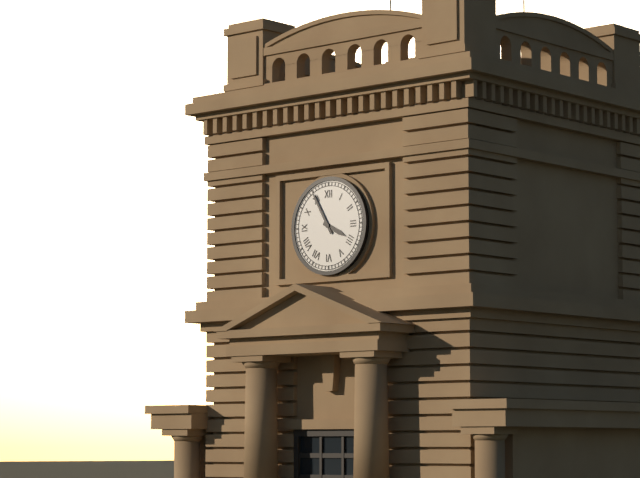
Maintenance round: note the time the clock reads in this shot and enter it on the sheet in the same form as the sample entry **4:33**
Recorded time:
**3:55**
